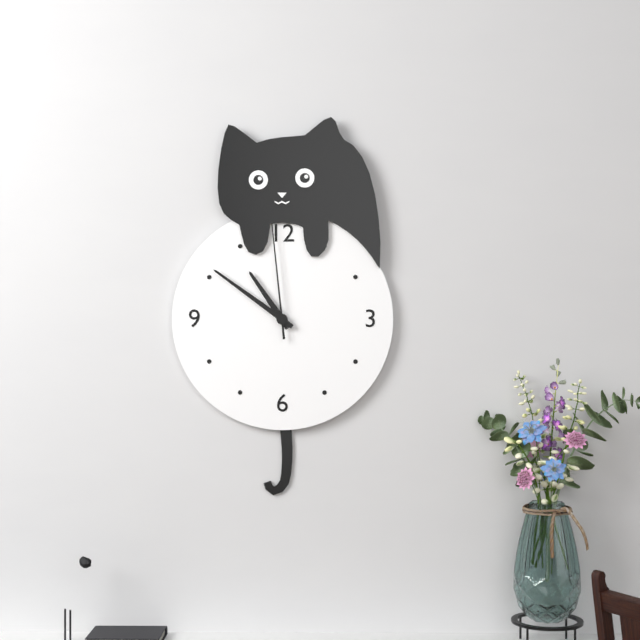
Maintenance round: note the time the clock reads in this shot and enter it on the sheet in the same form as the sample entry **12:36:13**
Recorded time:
**10:51:59**
